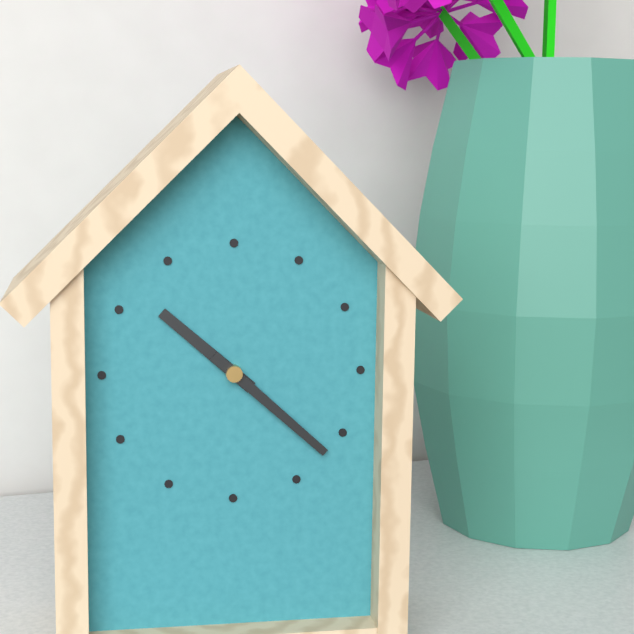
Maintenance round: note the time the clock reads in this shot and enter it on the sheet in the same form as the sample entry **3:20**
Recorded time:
**10:22**
